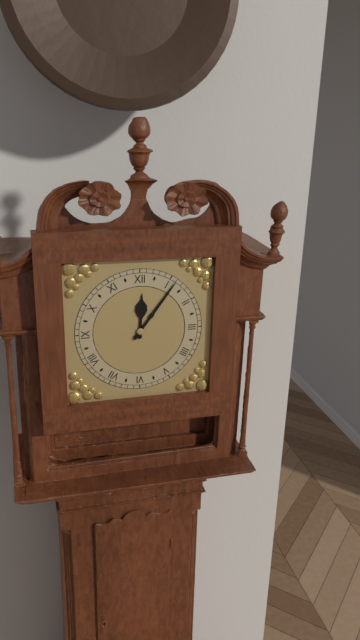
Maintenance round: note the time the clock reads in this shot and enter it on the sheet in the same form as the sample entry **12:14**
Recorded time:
**12:06**
